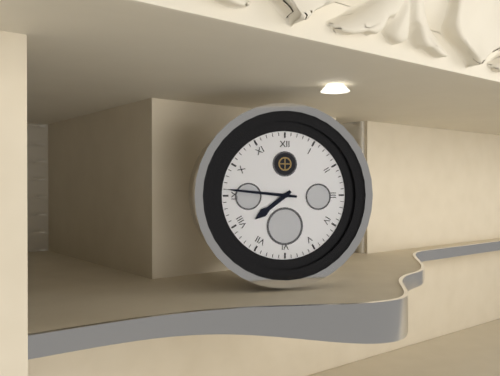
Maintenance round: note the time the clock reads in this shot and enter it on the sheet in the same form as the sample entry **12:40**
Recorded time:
**7:46**
